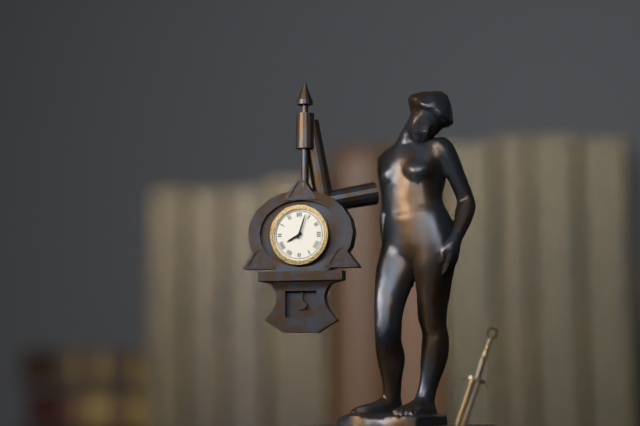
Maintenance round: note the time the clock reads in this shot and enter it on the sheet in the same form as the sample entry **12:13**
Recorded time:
**8:03**
